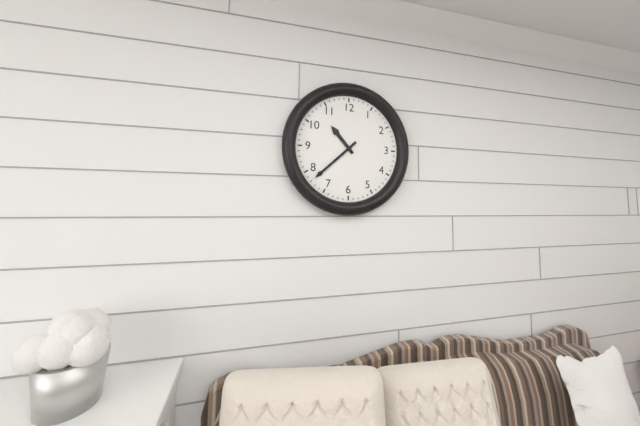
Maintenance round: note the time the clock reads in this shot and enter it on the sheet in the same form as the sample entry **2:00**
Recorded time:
**10:38**
